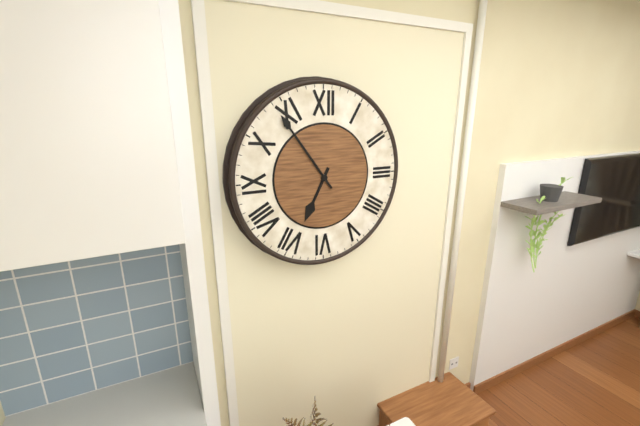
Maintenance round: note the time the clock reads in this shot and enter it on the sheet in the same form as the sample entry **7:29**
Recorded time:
**6:54**
